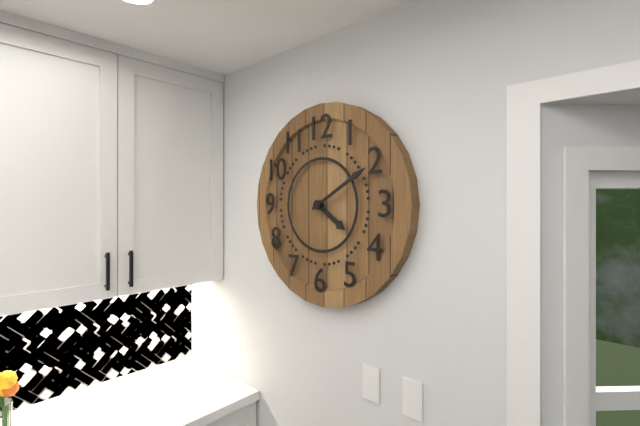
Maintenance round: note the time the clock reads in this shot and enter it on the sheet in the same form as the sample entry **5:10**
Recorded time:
**4:10**
